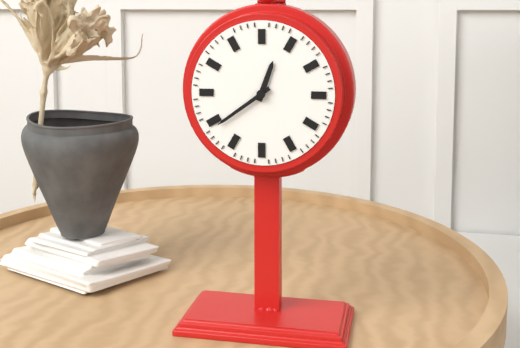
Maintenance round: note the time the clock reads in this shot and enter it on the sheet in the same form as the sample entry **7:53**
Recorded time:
**12:39**
